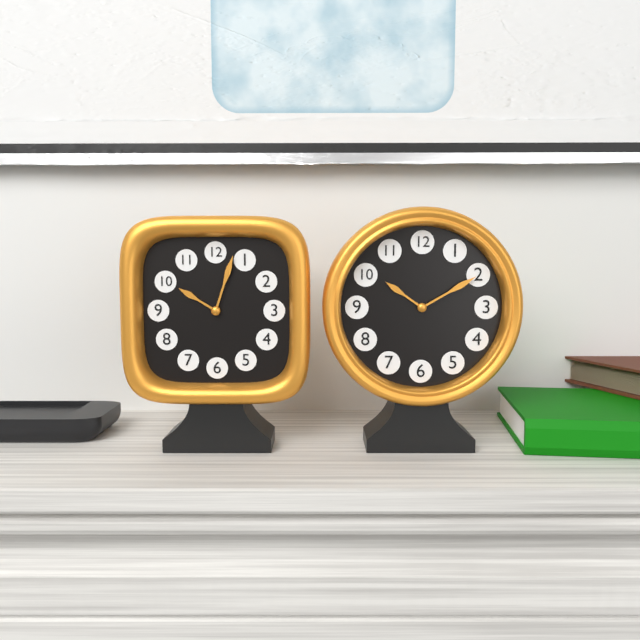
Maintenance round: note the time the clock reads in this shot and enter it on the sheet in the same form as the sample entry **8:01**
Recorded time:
**10:03**
